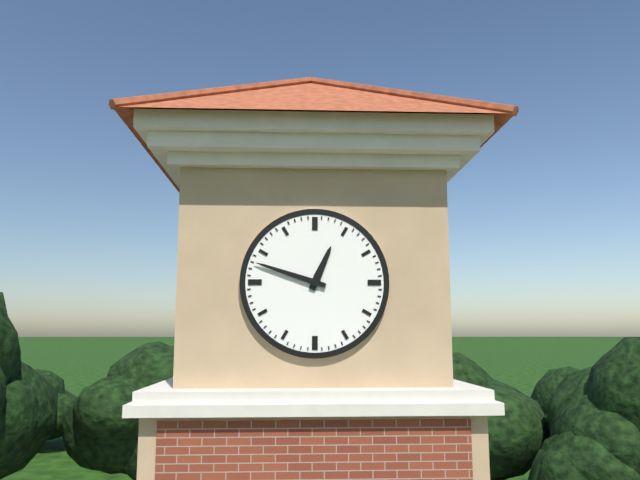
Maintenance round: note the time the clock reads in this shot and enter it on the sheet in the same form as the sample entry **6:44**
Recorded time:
**12:48**
